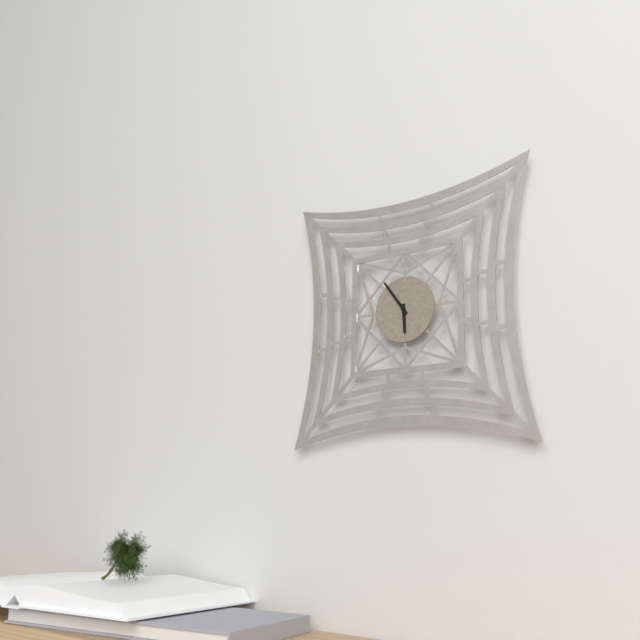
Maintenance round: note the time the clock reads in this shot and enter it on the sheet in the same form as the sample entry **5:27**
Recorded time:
**5:54**
